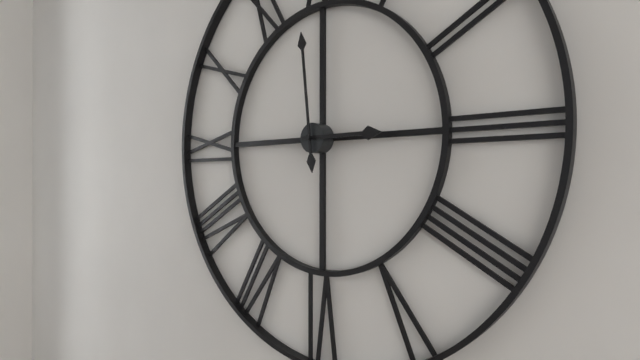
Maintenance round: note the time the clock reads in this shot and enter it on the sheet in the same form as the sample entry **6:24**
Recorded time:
**2:59**
